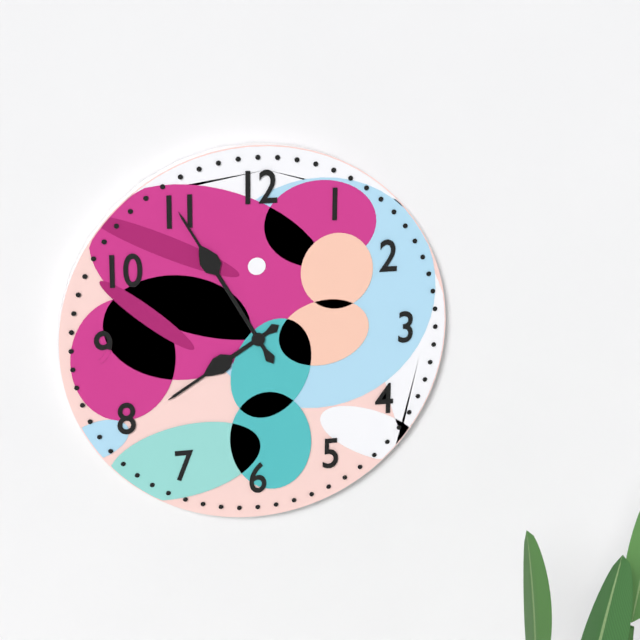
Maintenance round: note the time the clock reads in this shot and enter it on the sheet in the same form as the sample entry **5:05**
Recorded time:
**7:55**
